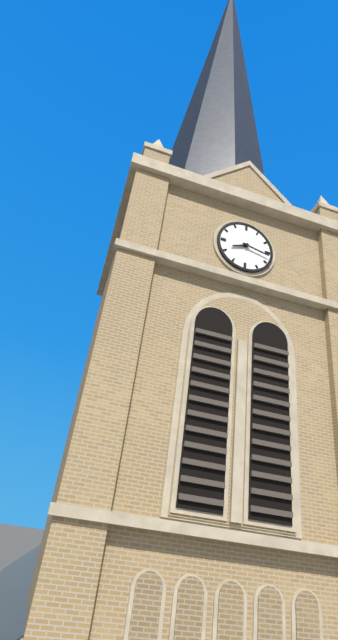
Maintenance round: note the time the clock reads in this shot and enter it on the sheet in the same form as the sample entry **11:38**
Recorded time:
**8:17**
